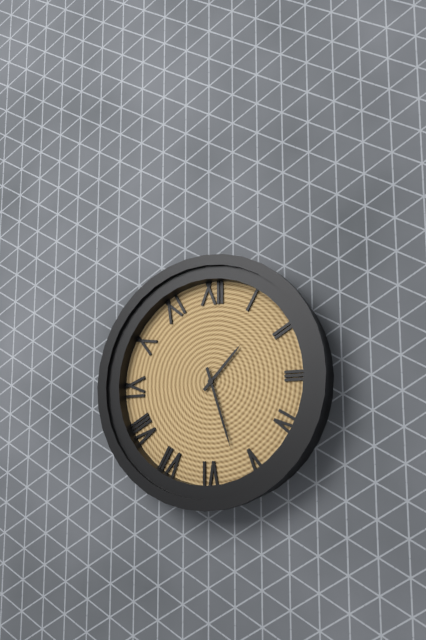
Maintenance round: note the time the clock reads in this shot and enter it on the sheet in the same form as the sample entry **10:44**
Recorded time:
**1:27**
